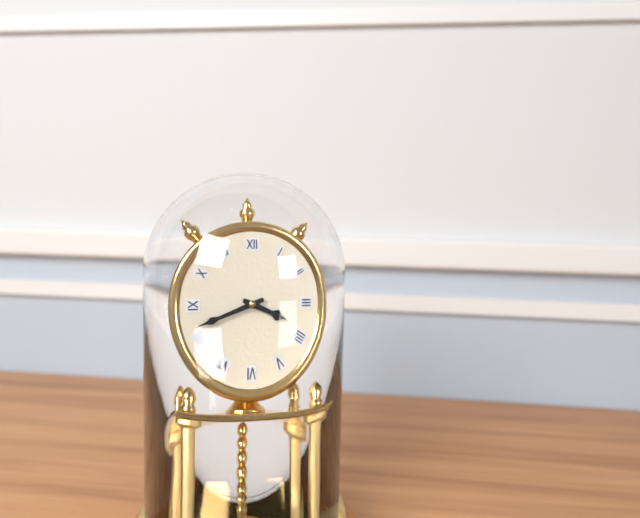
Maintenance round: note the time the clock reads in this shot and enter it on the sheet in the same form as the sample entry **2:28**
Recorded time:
**3:42**
